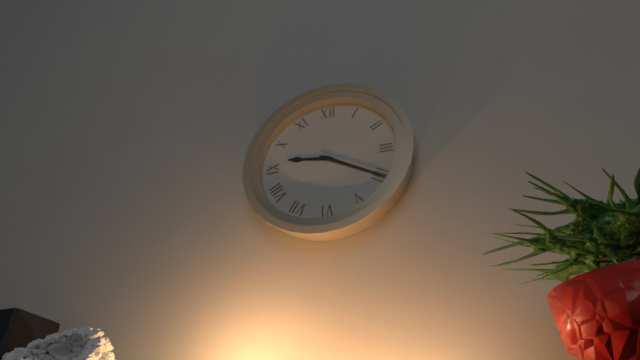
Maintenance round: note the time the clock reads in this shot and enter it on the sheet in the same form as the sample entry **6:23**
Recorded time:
**9:20**
